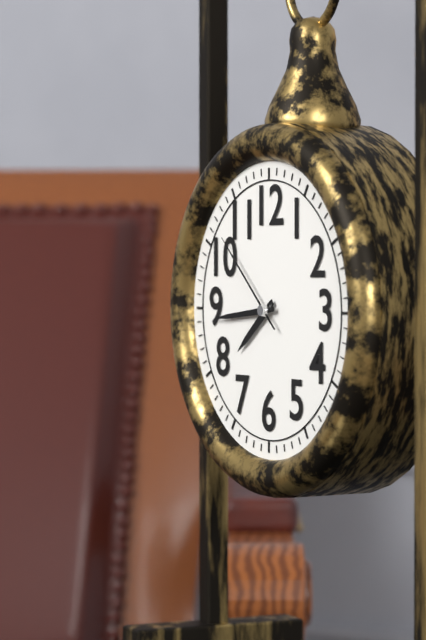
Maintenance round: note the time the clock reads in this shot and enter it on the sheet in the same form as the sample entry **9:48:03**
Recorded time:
**7:44:52**
